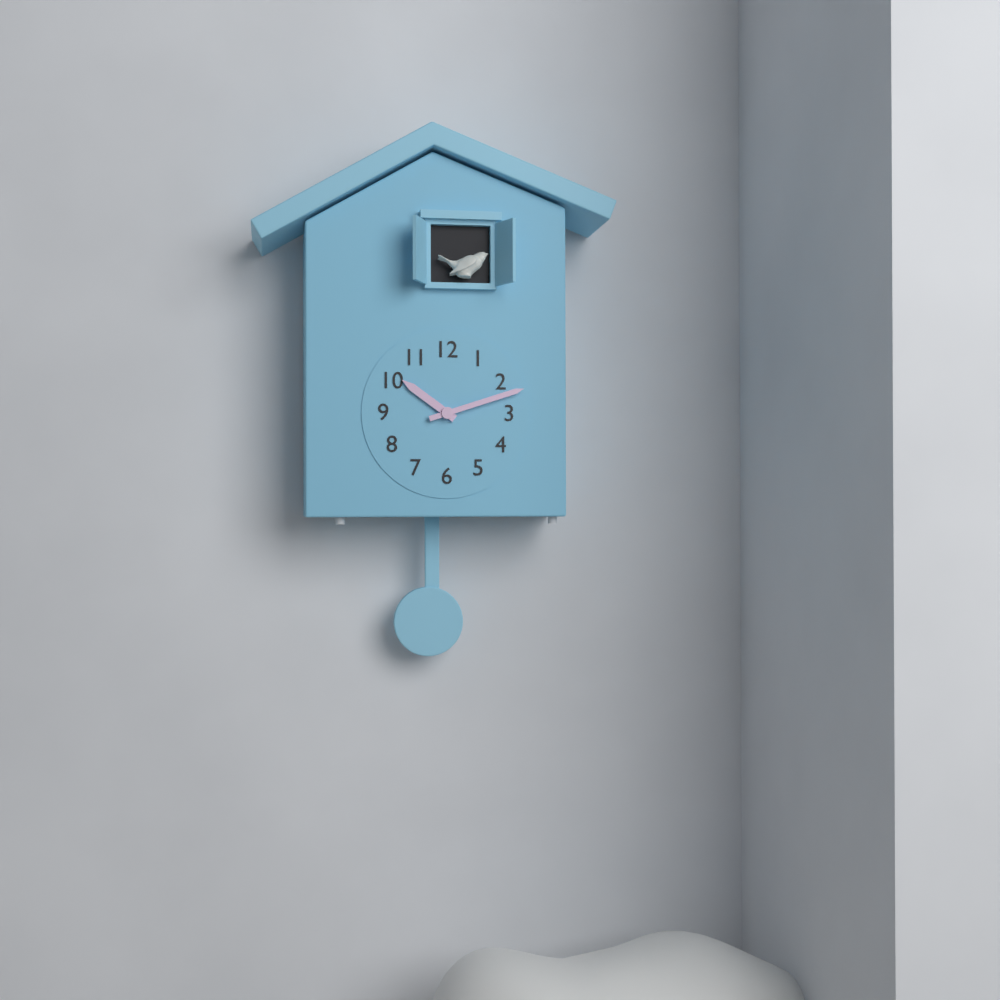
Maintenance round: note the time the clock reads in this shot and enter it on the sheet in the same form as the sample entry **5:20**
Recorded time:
**10:12**
